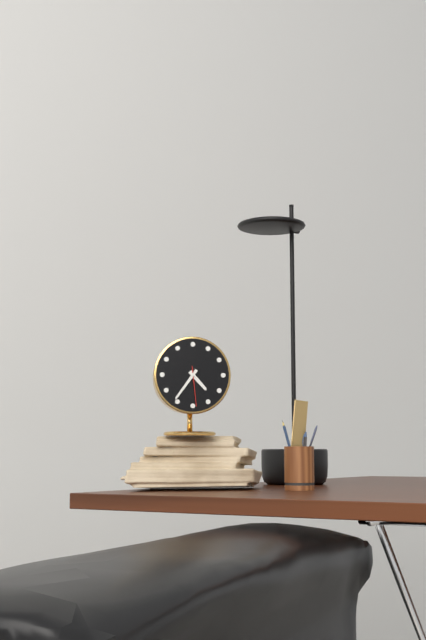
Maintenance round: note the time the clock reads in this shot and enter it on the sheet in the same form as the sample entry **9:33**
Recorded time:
**4:36**
